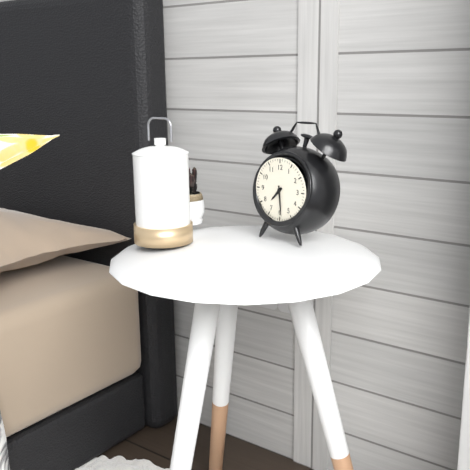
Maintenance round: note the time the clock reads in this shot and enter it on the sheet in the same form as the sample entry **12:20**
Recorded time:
**7:29**
